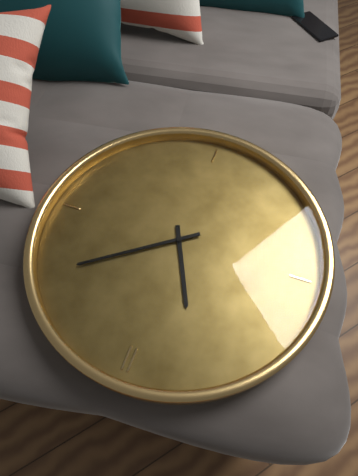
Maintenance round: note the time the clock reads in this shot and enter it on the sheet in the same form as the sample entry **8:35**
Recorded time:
**11:09**
